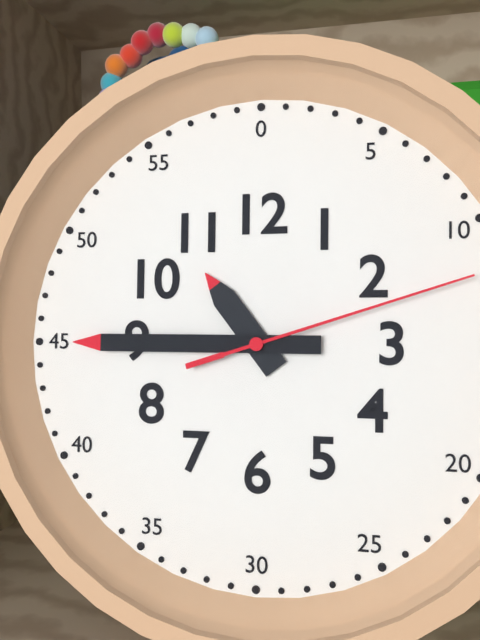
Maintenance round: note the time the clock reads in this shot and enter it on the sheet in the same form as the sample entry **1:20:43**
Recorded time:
**10:45:12**
